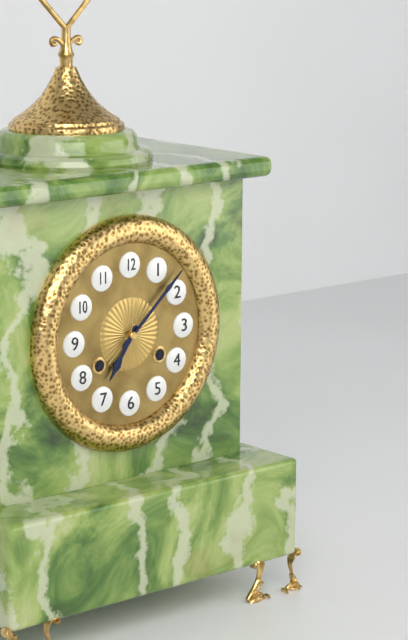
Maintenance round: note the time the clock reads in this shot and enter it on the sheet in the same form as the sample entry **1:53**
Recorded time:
**7:08**
